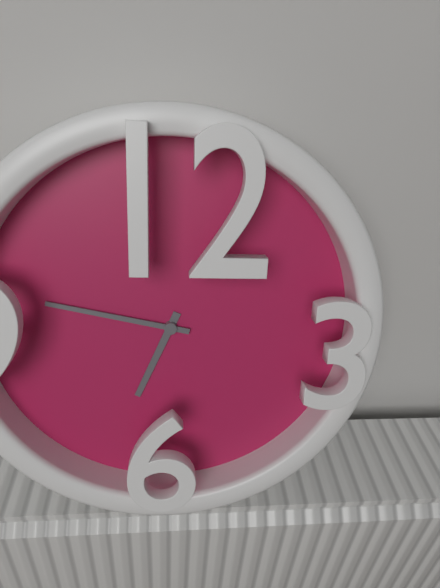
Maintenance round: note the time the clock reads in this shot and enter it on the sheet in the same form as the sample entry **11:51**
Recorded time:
**6:47**
